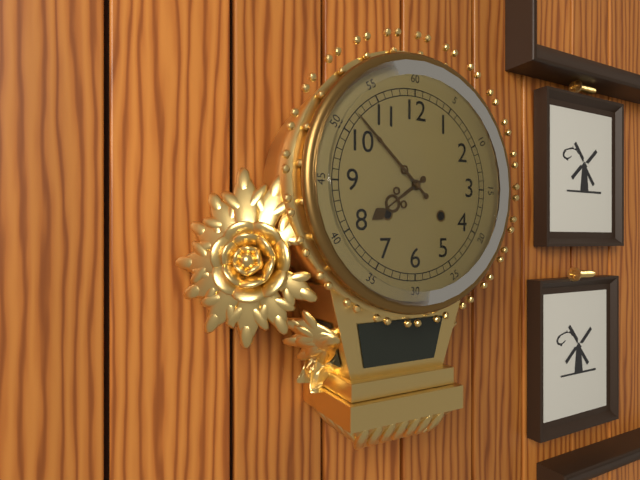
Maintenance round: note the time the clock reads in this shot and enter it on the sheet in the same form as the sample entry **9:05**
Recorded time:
**7:52**
